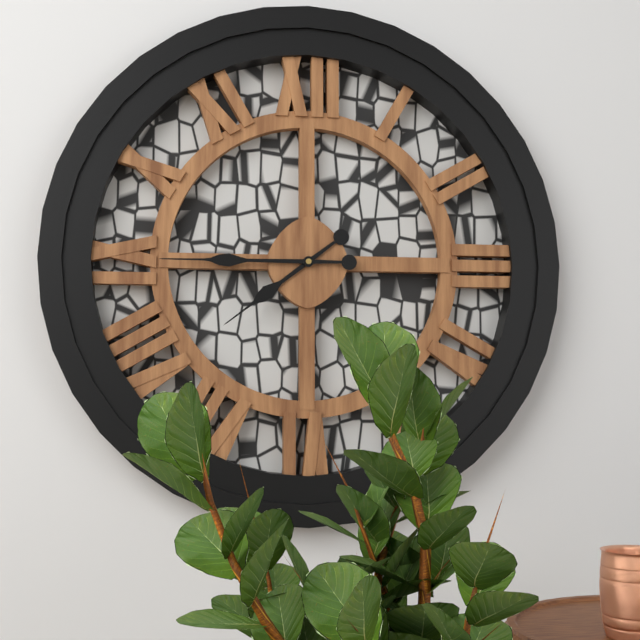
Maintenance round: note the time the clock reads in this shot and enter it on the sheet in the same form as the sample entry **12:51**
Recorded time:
**7:45**
